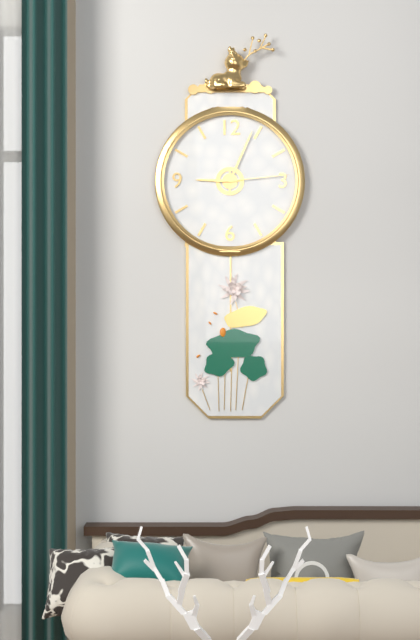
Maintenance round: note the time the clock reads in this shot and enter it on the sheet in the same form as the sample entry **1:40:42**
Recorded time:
**9:04:14**
